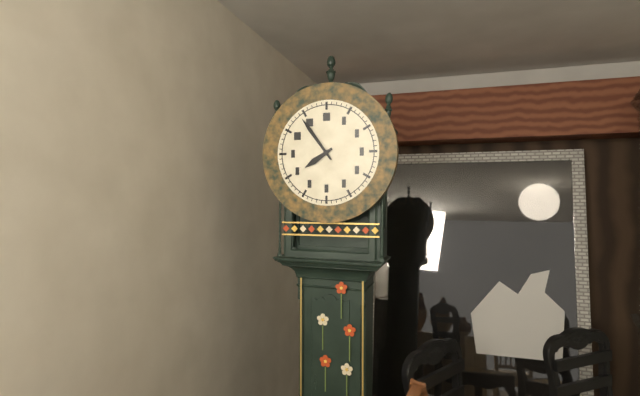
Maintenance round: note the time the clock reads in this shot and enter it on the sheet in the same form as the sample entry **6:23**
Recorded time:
**7:54**
